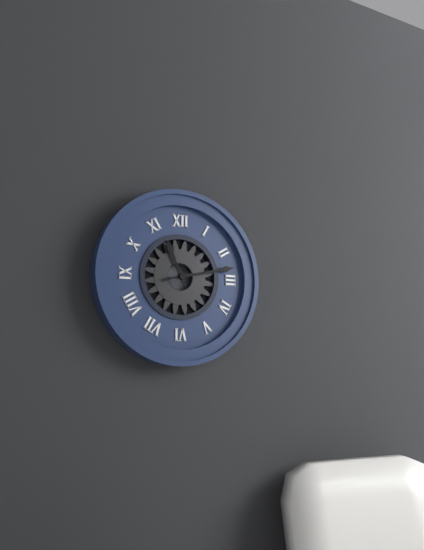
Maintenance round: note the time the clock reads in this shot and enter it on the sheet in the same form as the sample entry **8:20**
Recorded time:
**11:13**
